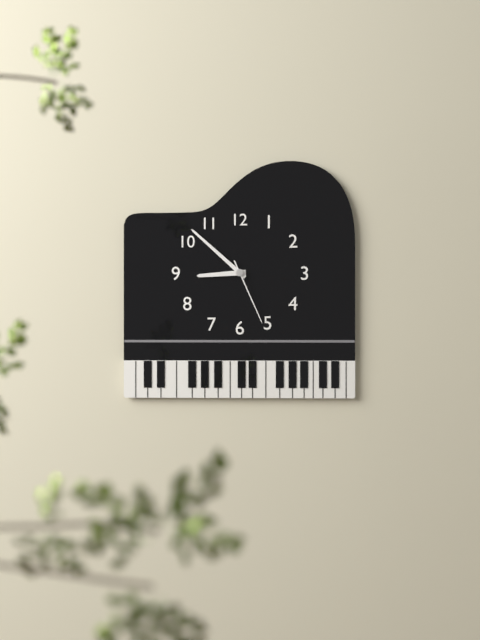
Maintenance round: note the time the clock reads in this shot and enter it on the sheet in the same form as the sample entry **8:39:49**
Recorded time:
**8:52:26**
